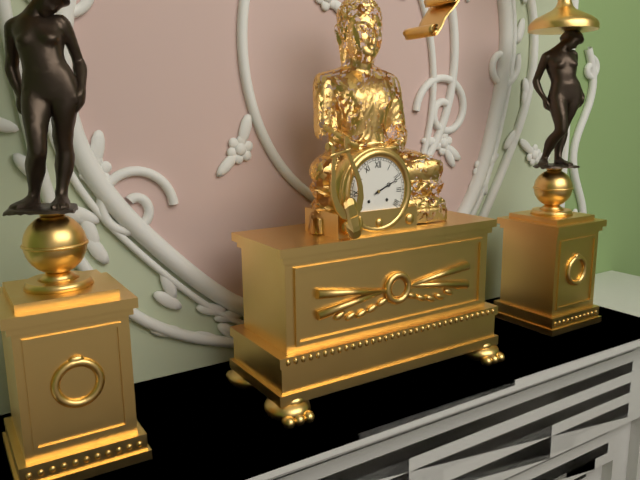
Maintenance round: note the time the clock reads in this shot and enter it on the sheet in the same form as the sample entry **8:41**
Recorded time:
**2:11**
